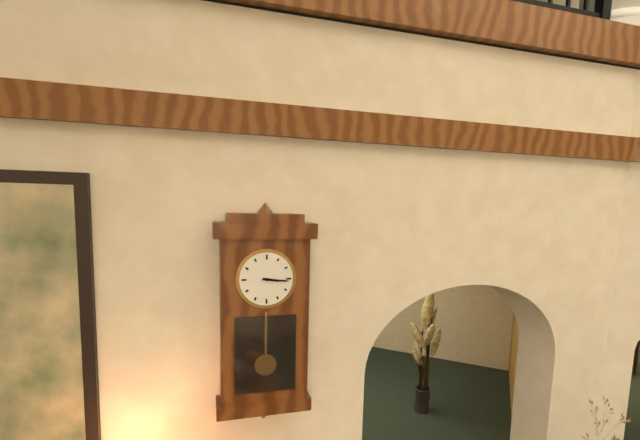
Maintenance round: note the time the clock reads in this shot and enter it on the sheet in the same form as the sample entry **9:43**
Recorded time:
**3:16**
